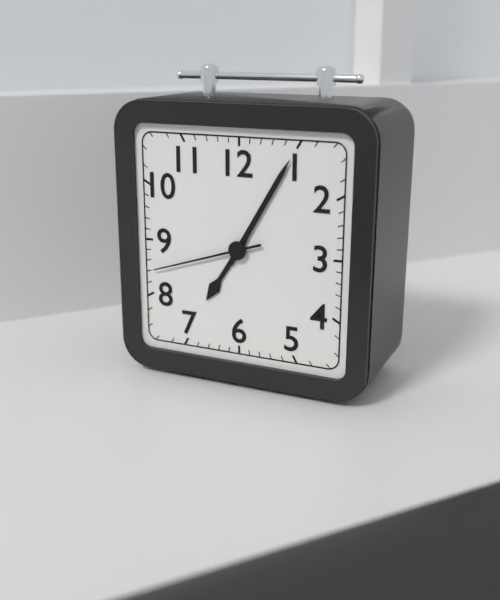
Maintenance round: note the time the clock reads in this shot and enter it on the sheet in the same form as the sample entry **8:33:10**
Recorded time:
**7:05:42**
